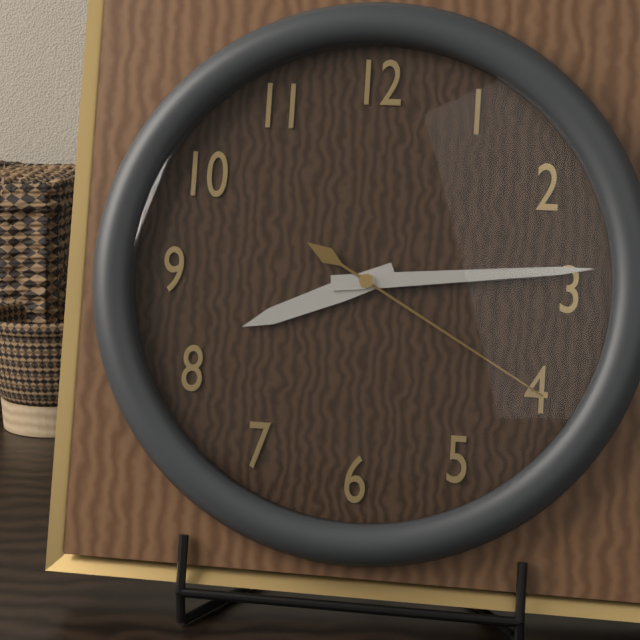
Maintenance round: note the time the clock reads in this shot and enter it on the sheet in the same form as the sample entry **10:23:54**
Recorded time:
**8:14:20**
